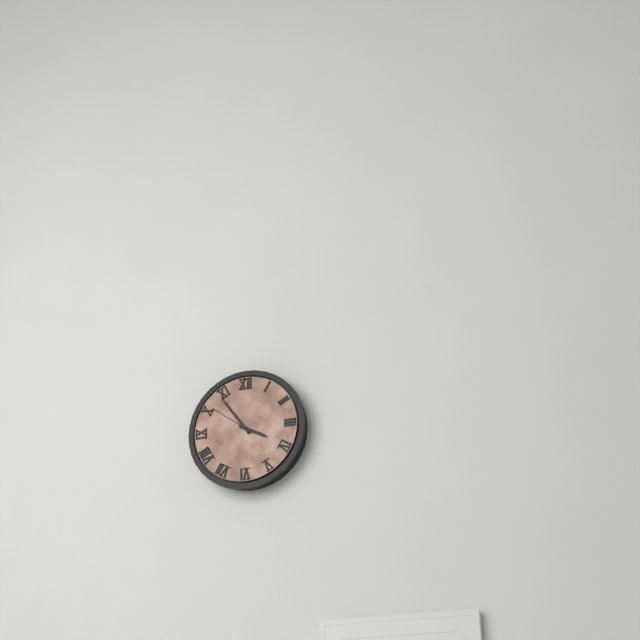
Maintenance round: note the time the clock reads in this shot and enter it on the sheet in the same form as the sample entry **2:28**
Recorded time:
**3:54**
